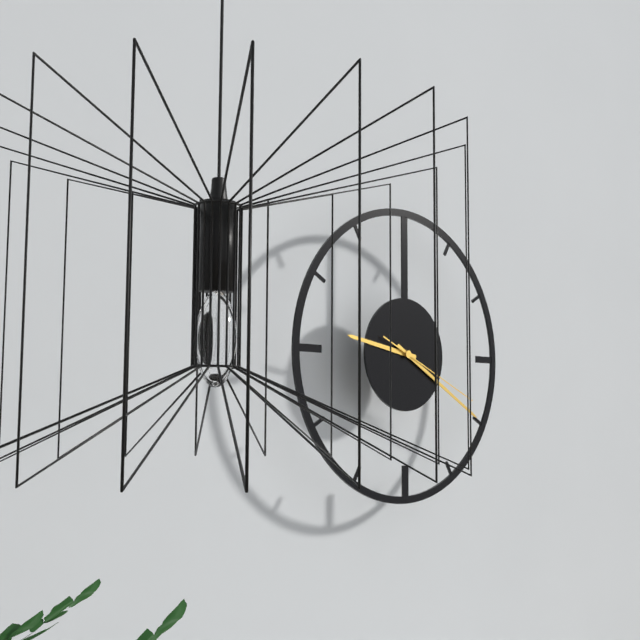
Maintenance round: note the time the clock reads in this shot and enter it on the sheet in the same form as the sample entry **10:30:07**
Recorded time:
**9:20:19**
